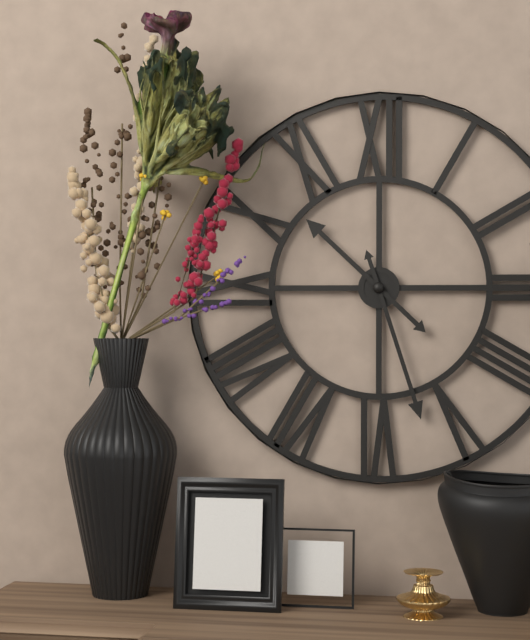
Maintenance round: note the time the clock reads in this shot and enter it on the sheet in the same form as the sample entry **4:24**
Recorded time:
**10:27**
